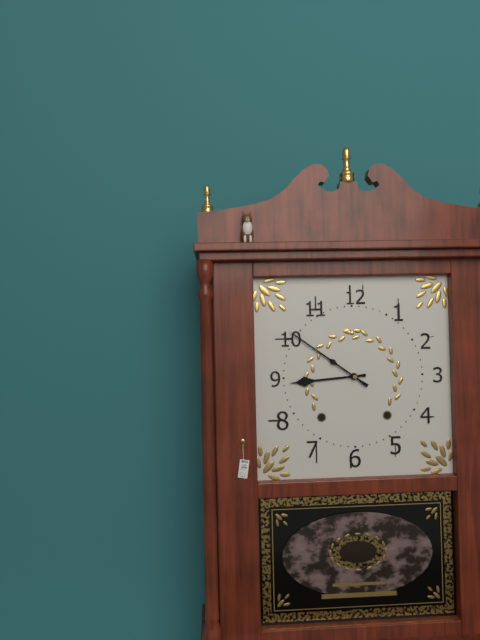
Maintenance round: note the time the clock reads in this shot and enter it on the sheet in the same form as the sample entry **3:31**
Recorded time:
**8:51**
